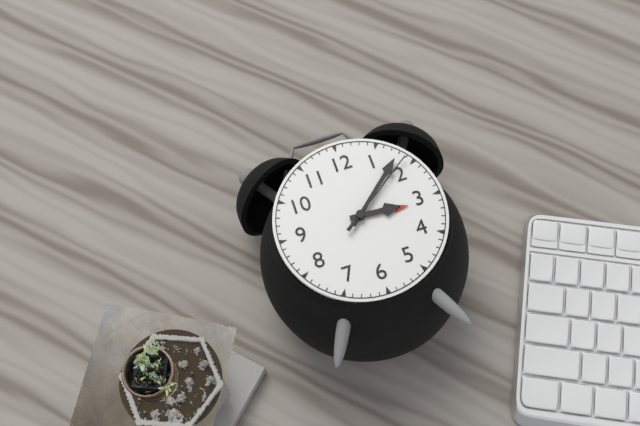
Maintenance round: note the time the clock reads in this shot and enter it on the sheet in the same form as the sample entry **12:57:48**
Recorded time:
**3:08:09**
